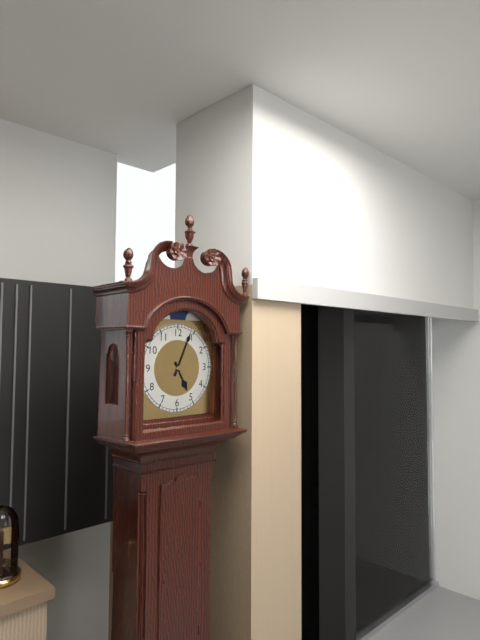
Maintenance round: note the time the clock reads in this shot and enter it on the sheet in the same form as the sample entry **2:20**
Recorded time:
**5:04**
